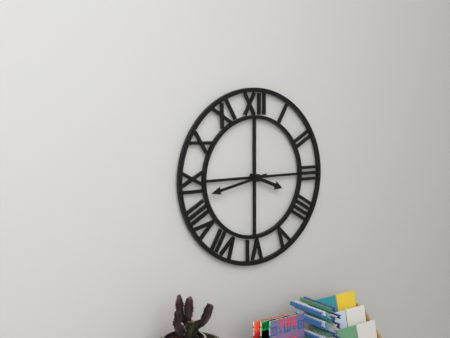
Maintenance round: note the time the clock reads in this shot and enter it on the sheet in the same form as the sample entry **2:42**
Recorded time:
**3:43**
